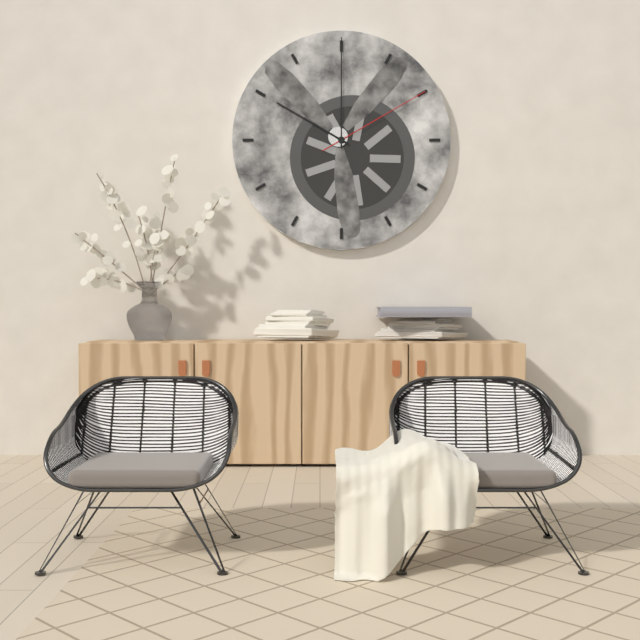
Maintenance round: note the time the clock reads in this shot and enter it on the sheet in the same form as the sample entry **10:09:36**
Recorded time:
**10:00:10**
